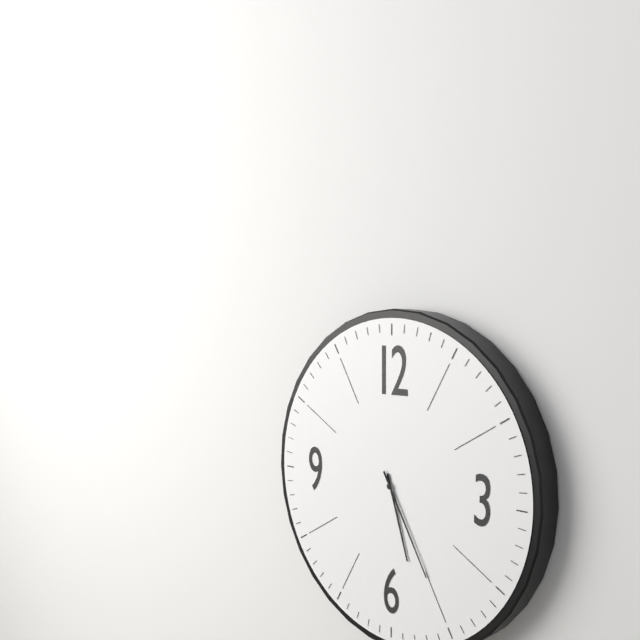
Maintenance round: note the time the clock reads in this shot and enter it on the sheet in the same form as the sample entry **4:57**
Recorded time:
**5:25**
